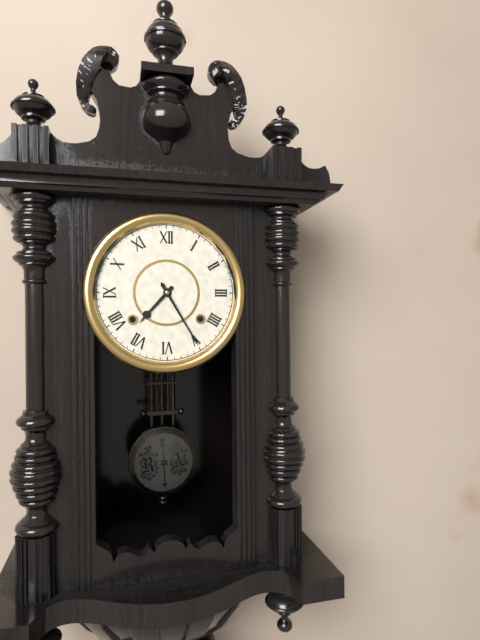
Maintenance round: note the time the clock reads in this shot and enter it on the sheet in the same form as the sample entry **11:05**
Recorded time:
**7:25**
